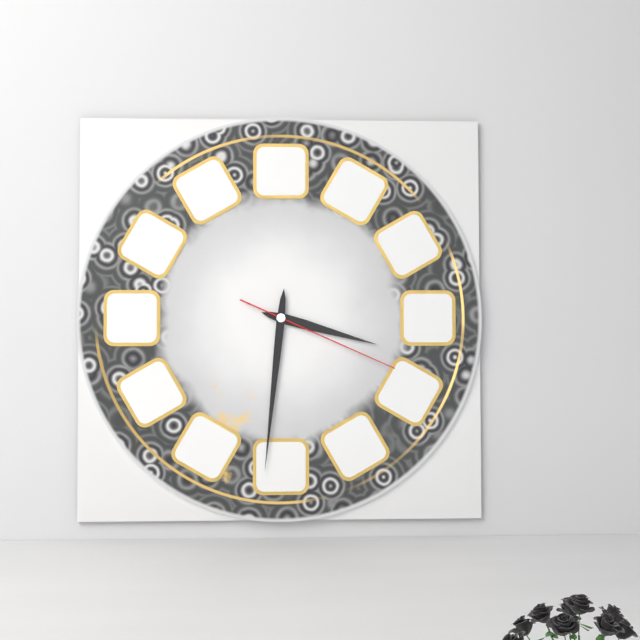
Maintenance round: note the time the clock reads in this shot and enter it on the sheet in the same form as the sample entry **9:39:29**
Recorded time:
**3:31:19**
